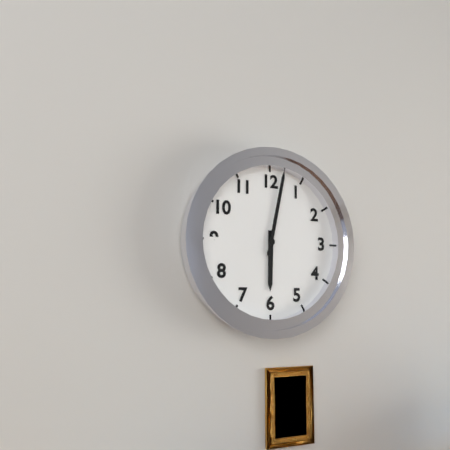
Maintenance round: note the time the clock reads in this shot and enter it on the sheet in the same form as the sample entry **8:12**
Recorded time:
**6:02**
